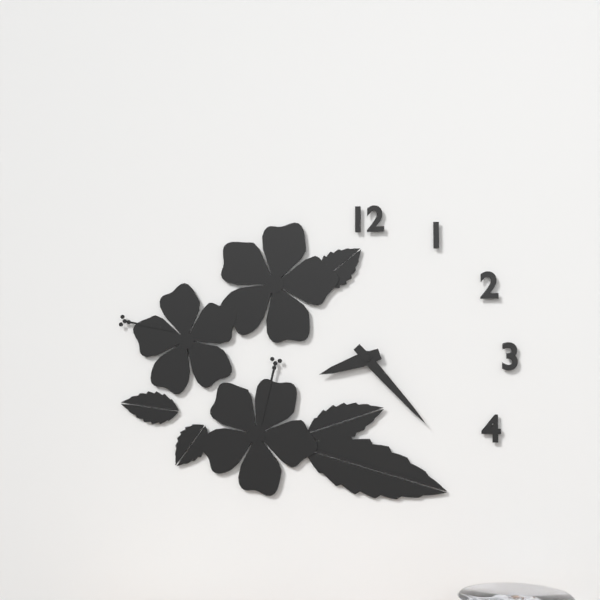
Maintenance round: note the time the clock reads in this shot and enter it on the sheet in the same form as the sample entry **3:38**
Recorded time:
**8:23**
